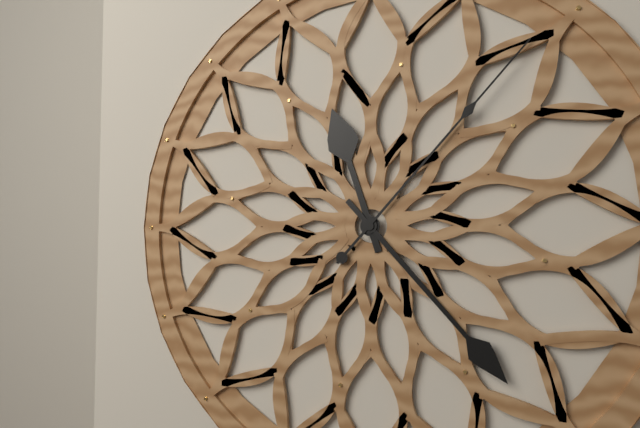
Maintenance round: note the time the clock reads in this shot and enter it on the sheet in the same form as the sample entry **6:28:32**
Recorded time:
**11:23:07**
